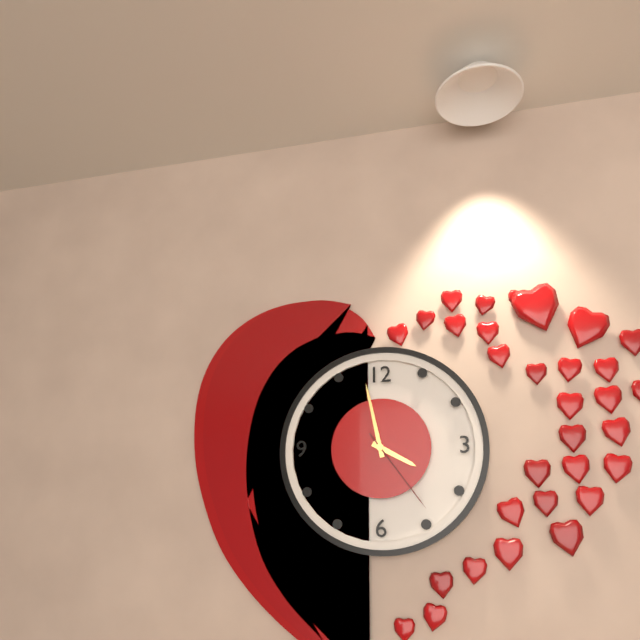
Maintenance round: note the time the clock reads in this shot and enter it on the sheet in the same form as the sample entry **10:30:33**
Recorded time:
**3:58:24**
